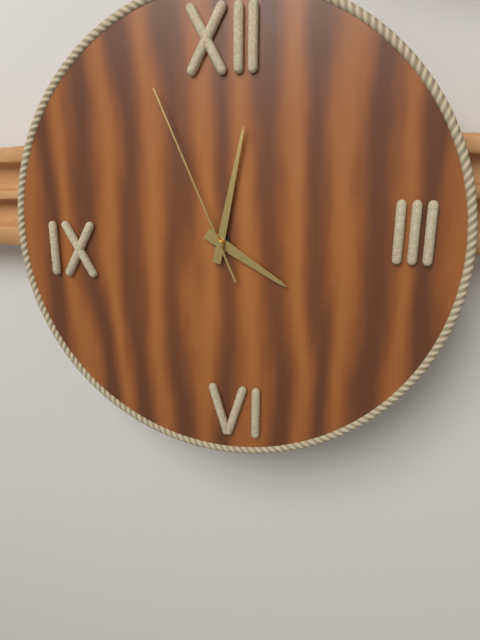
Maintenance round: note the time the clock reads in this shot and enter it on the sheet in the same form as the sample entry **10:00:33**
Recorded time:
**4:02:56**
